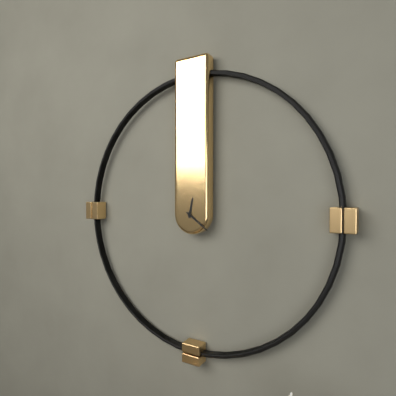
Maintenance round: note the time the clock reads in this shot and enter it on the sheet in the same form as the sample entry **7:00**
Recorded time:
**12:21**
